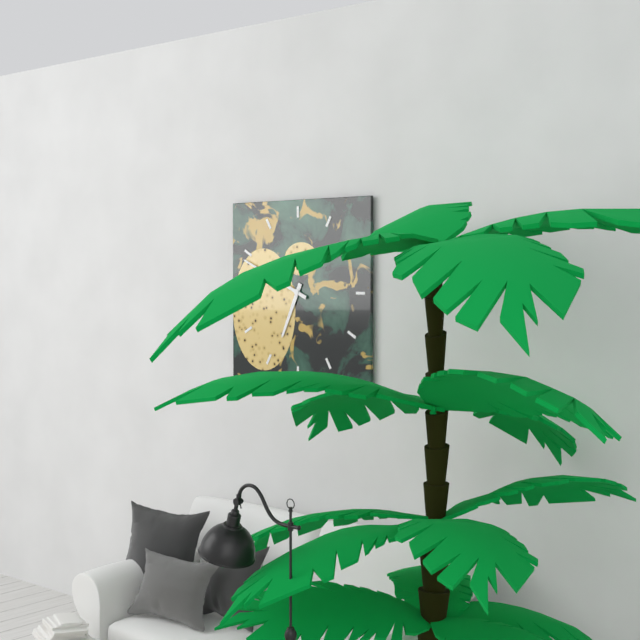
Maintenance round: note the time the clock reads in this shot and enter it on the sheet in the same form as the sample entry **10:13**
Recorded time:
**6:49**
